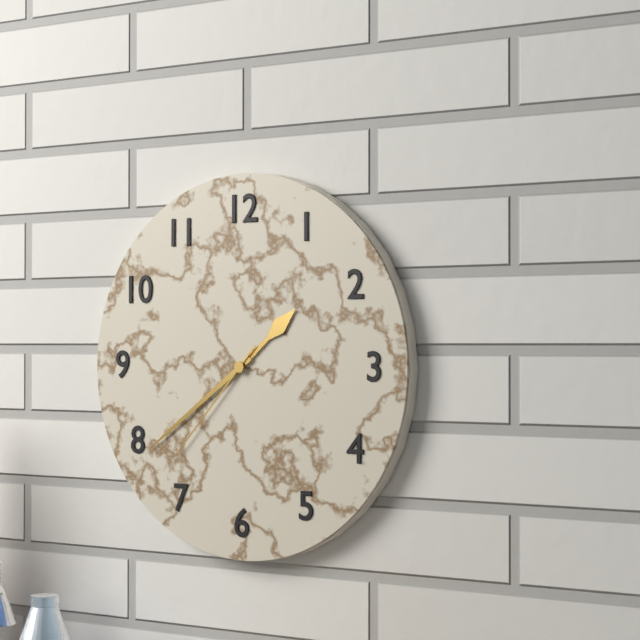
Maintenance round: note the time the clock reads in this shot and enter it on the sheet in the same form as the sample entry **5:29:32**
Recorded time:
**1:39:37**
